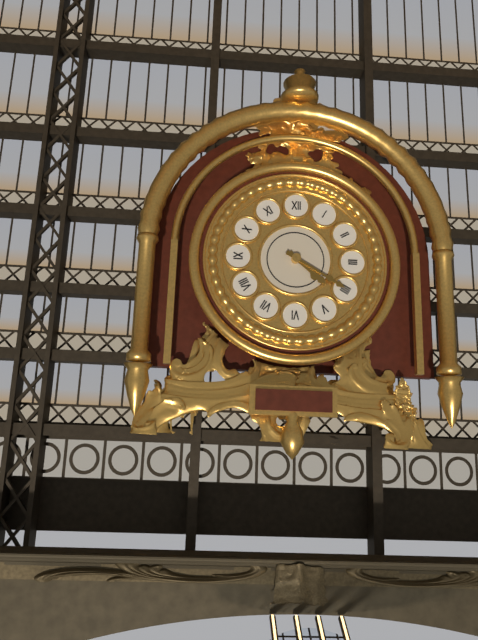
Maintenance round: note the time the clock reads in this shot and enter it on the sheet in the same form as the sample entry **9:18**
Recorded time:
**4:20**
